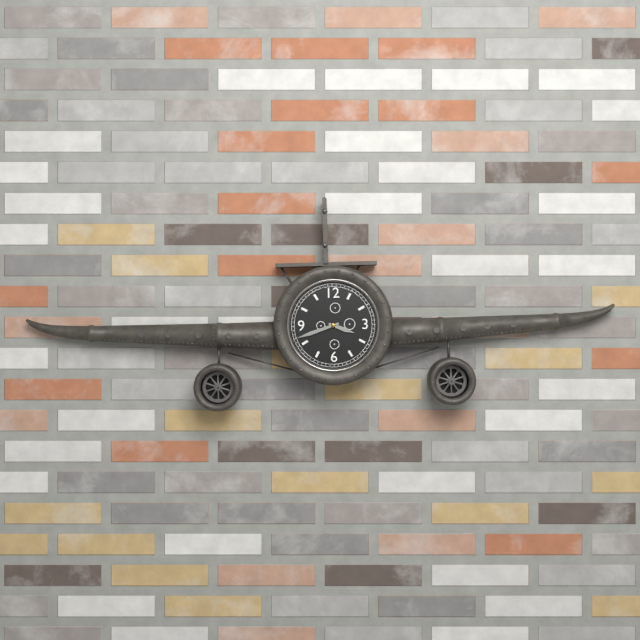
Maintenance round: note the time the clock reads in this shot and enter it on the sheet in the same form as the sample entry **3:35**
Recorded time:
**3:42**
